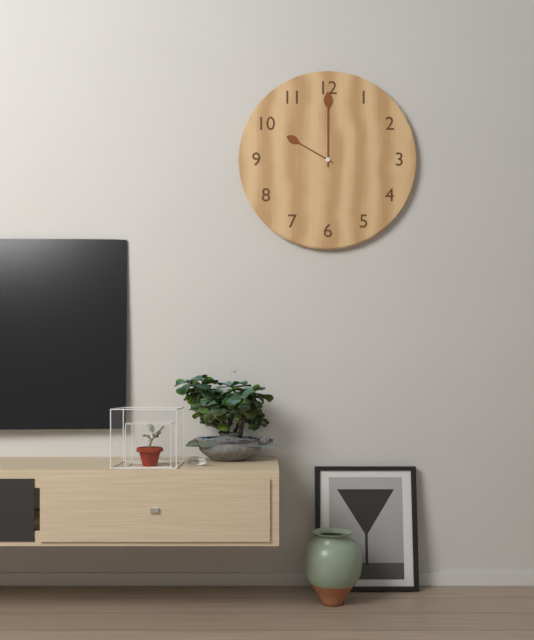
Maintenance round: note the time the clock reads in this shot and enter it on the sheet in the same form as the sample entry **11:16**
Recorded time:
**10:00**
